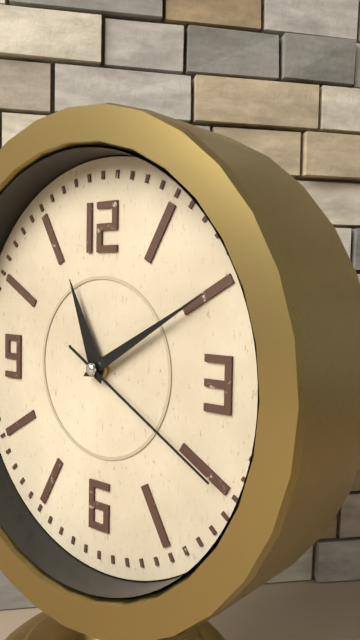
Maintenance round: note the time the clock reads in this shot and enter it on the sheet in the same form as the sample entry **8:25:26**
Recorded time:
**11:10:20**
